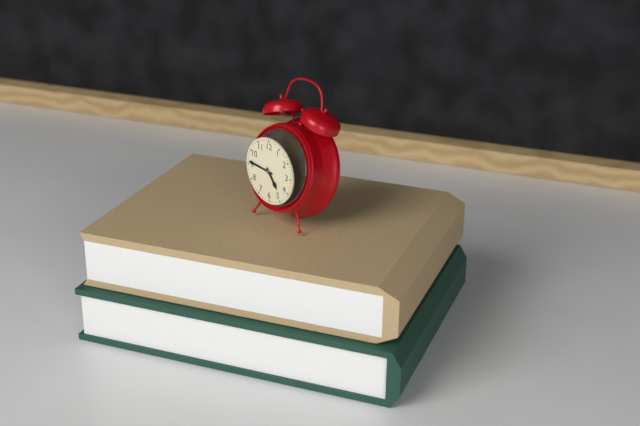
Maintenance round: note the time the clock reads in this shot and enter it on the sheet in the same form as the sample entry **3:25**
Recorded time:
**4:46**
